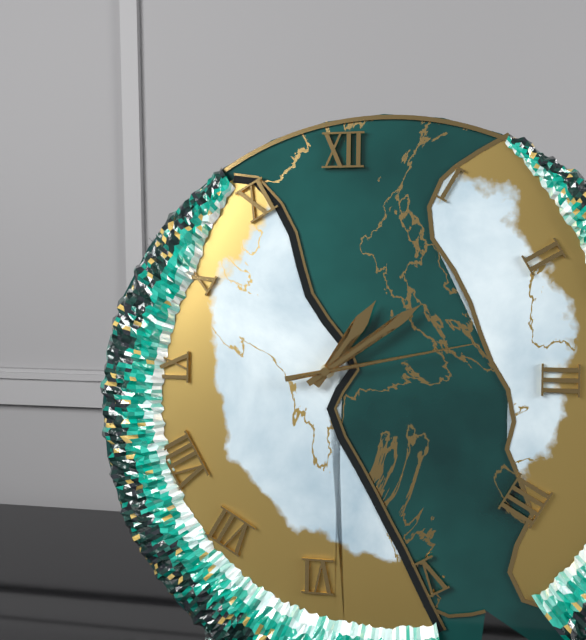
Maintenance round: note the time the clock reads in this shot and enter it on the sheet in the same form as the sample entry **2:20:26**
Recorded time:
**1:09:13**
